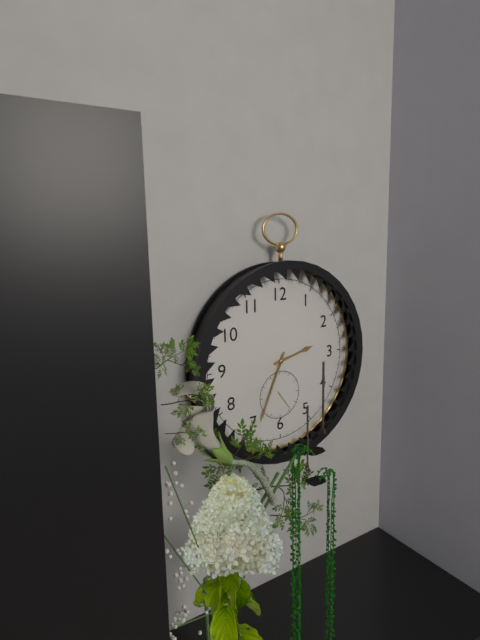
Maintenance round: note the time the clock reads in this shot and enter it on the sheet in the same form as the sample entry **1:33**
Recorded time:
**2:34**
